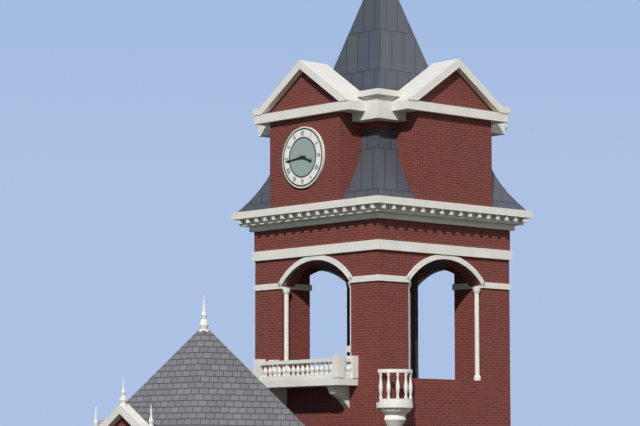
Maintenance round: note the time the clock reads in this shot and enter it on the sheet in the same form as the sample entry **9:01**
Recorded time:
**3:44**
